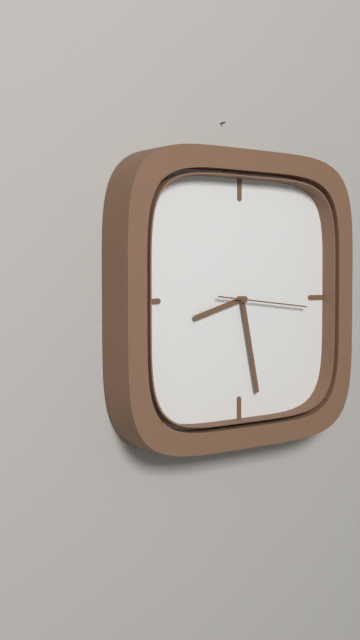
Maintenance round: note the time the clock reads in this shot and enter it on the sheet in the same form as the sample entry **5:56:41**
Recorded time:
**8:28:16**
